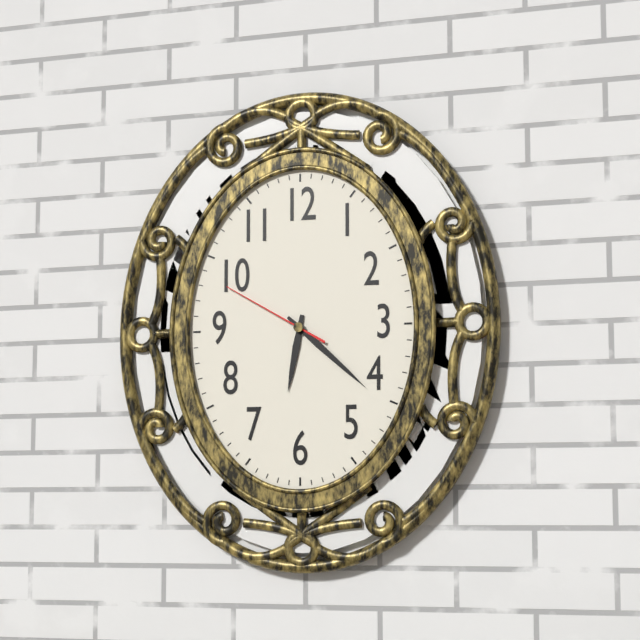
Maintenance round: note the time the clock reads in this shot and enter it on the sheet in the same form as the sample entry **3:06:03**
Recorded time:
**6:22:50**
